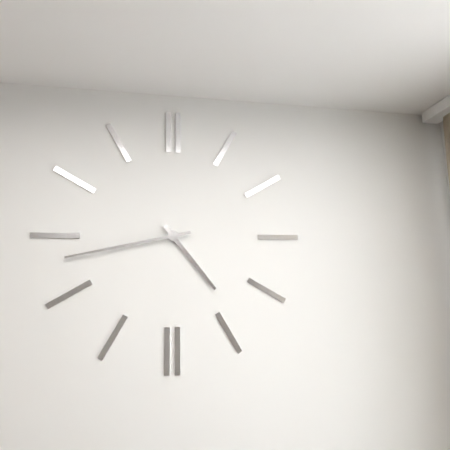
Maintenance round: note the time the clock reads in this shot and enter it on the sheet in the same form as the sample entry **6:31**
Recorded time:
**4:43**
